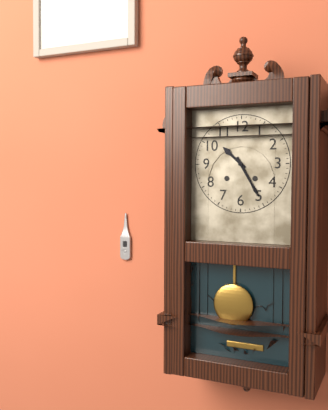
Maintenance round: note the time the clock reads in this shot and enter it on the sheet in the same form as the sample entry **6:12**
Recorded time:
**10:25**
